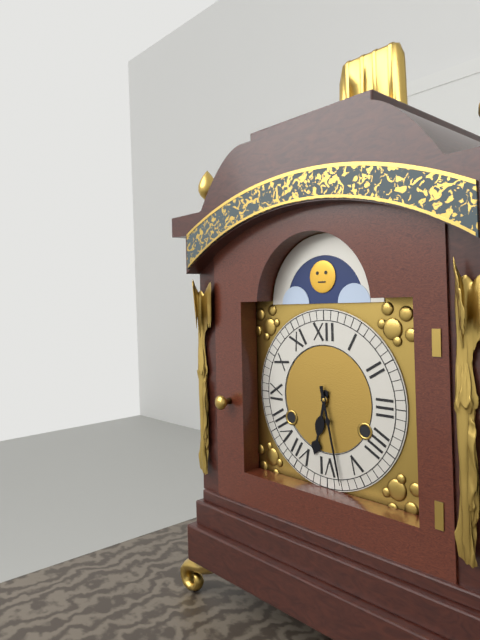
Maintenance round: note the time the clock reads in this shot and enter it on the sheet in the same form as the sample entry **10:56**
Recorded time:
**6:28**
